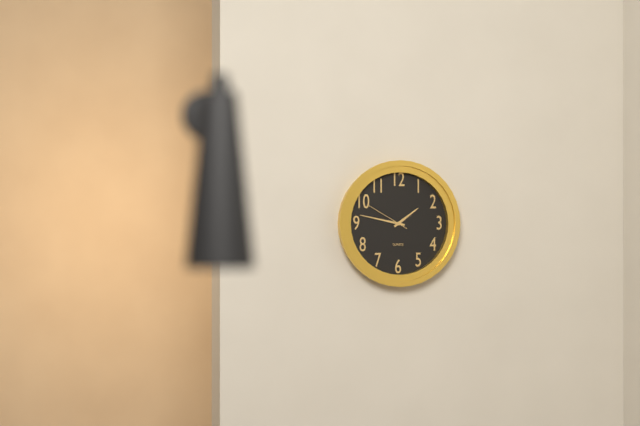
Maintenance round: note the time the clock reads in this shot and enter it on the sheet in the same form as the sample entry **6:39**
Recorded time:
**1:47**
